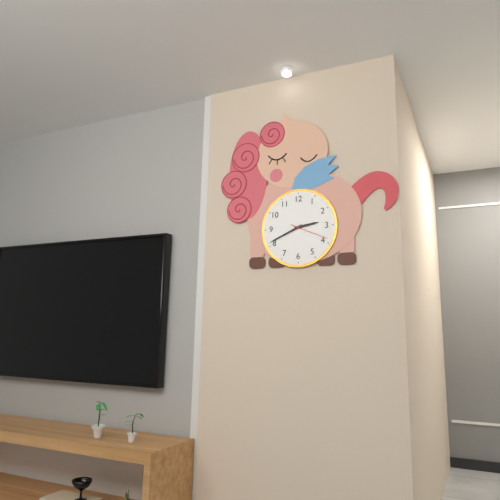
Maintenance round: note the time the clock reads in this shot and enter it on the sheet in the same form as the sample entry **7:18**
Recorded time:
**2:41**
